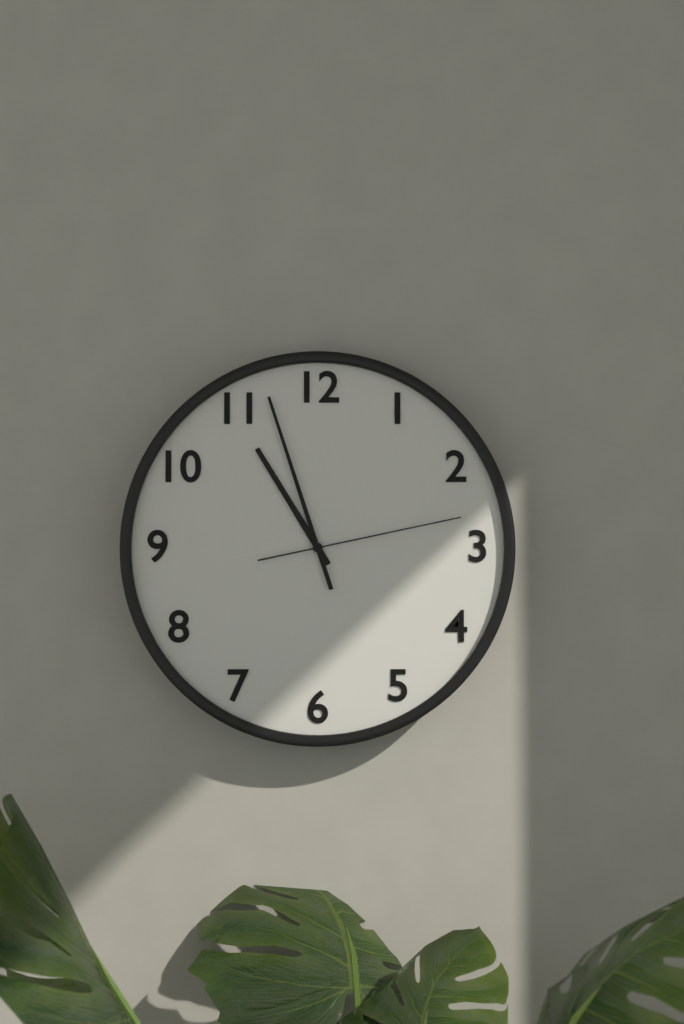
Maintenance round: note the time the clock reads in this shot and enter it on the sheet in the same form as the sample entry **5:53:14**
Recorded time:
**10:57:13**
